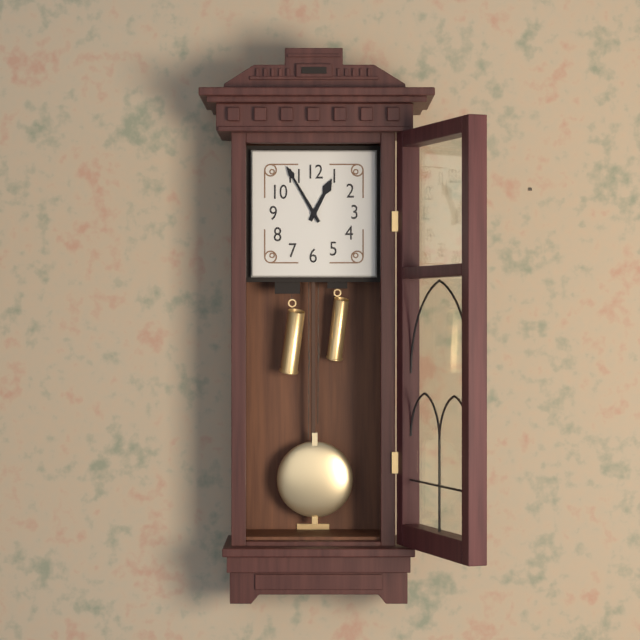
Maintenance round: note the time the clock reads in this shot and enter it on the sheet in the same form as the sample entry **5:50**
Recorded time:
**12:55**
